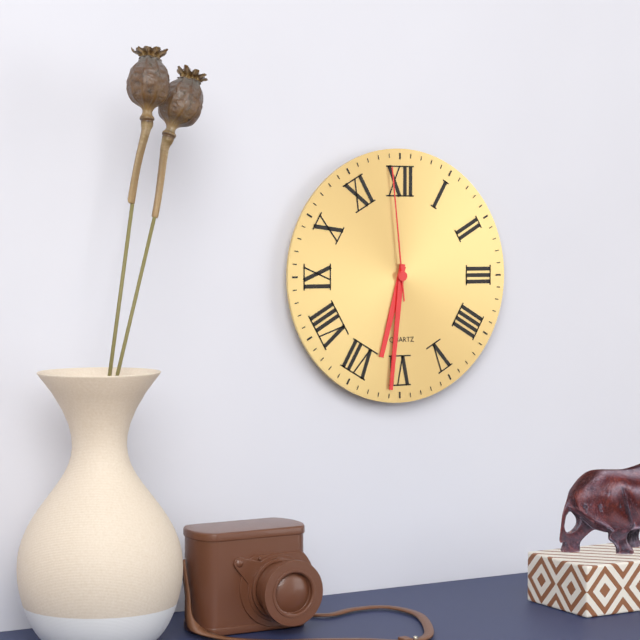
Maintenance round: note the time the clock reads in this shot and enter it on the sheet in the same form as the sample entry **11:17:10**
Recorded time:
**6:31:59**
